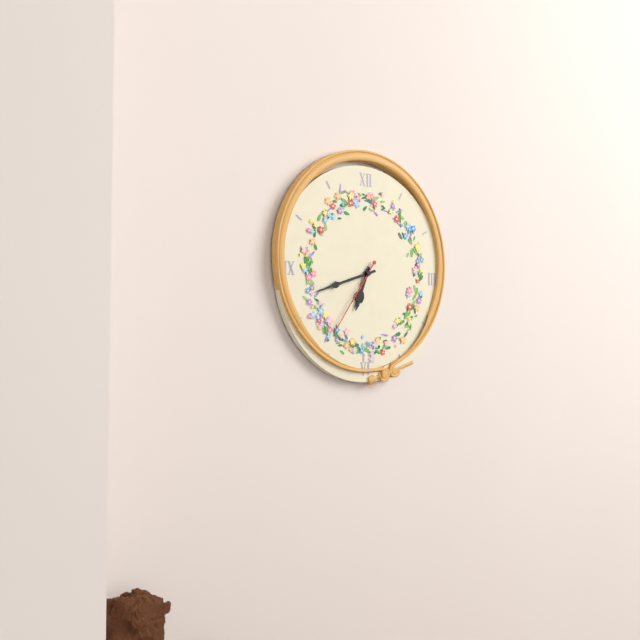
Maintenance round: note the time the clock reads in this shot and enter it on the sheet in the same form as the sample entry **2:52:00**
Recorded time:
**6:42:36**
